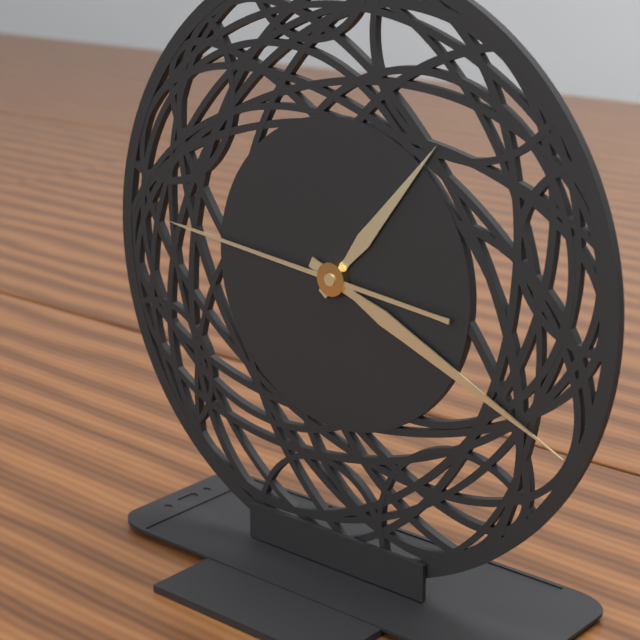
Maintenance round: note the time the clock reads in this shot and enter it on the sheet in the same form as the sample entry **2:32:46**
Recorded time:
**1:19:46**
